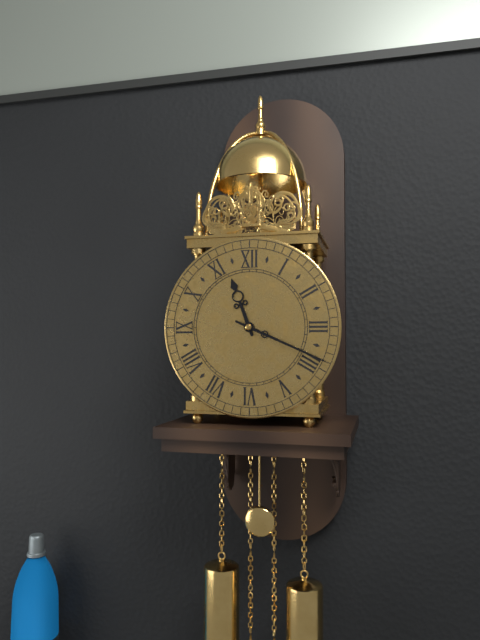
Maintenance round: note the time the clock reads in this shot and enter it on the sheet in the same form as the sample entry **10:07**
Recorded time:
**11:19**
